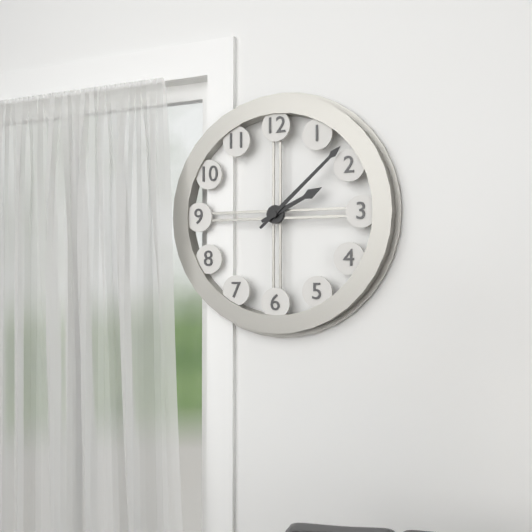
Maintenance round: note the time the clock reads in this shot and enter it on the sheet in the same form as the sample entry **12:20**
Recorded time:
**2:08**
